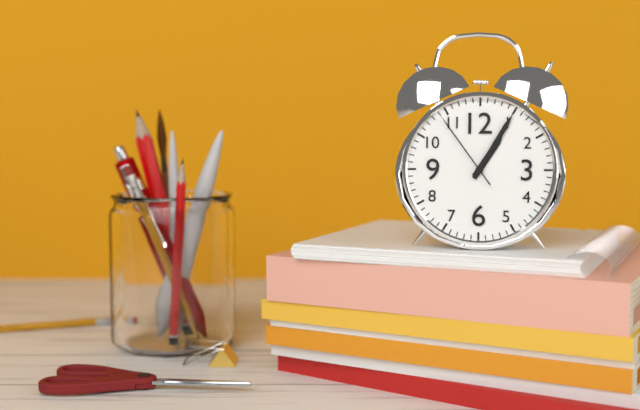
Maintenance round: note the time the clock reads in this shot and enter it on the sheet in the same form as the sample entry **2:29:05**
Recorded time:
**1:05:54**
